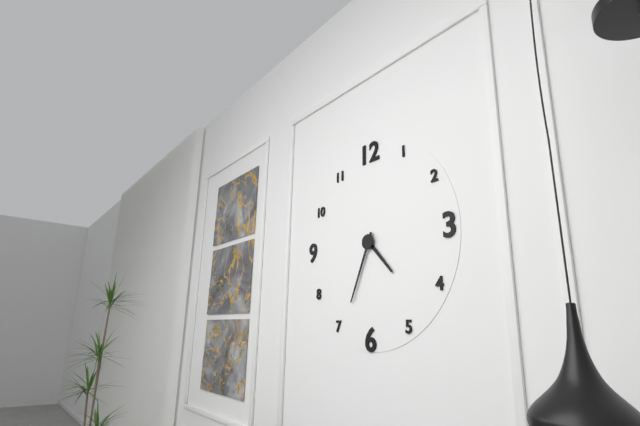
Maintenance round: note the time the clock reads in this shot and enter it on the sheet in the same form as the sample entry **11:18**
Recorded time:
**4:34**
